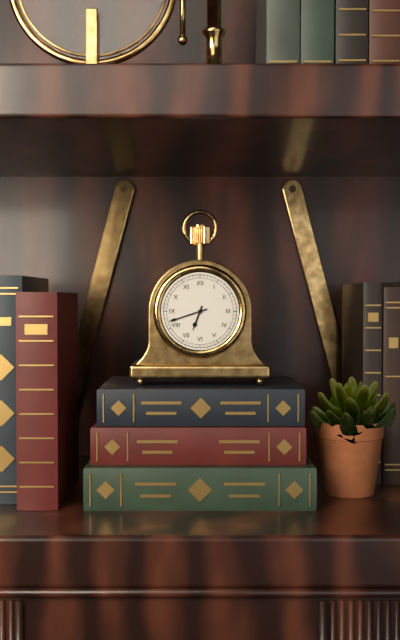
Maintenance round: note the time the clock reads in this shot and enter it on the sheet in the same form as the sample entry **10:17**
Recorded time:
**6:42**
